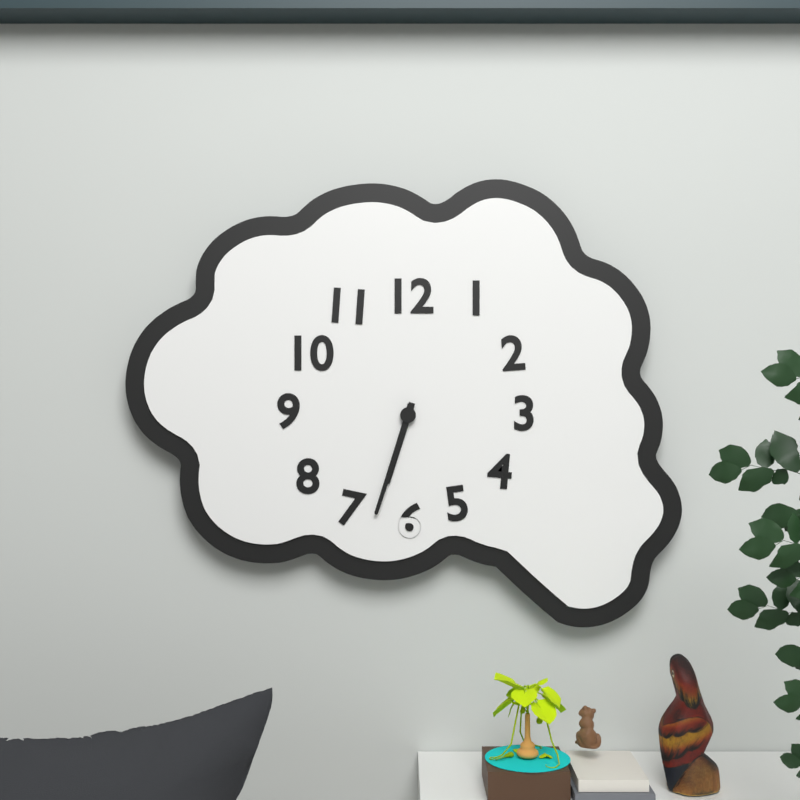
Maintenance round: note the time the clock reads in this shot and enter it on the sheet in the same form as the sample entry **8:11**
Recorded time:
**6:33**
